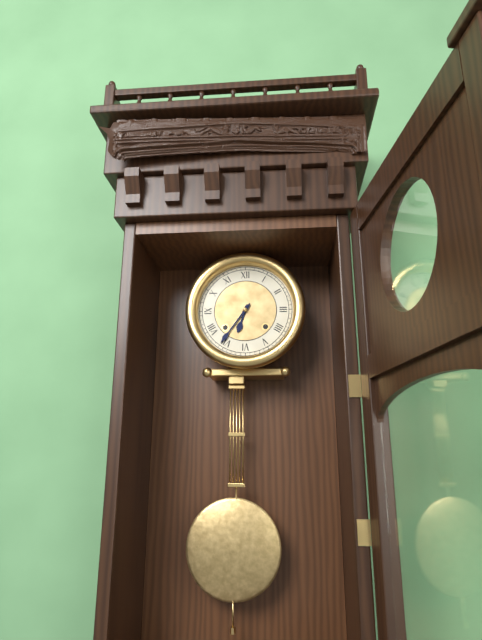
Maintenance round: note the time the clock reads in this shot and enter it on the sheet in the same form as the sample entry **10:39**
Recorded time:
**6:36**
